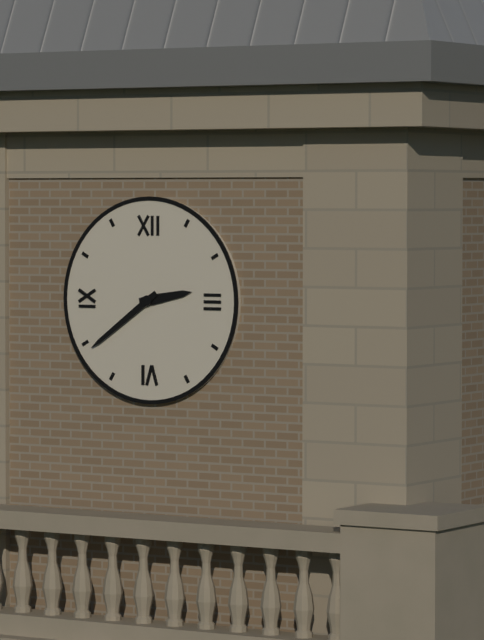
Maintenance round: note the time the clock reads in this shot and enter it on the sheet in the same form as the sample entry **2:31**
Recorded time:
**2:39**
